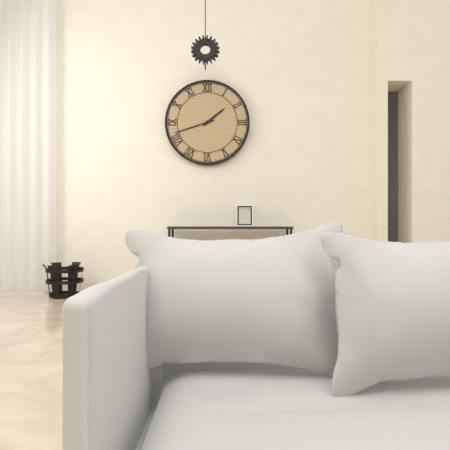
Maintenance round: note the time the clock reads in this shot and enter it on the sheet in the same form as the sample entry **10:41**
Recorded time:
**1:42**
